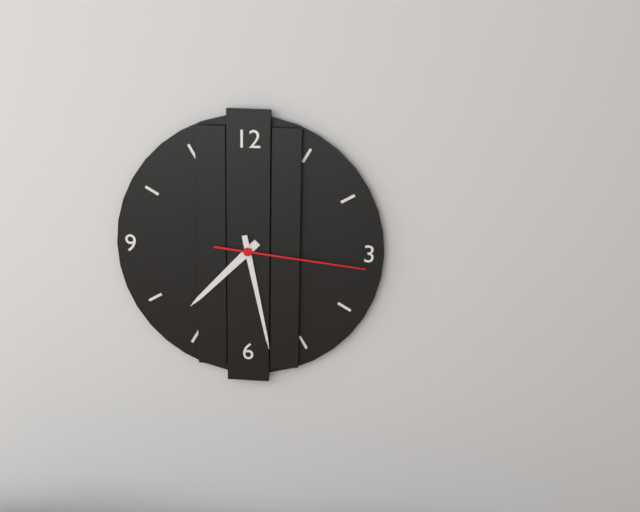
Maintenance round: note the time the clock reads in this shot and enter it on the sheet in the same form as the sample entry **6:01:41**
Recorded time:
**7:28:16**
